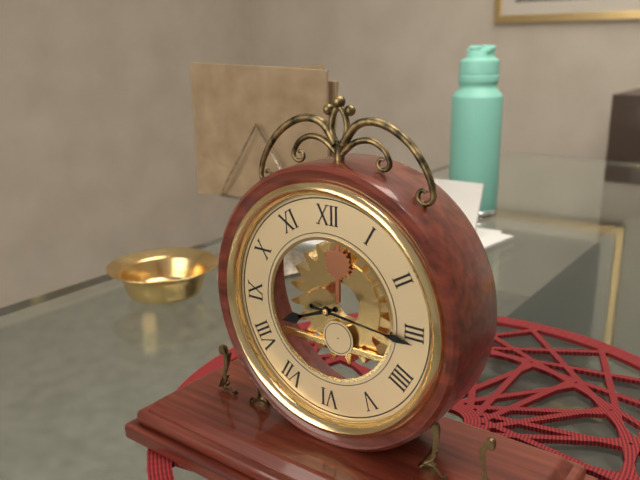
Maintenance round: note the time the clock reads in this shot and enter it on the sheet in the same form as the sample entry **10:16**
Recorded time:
**8:16**
